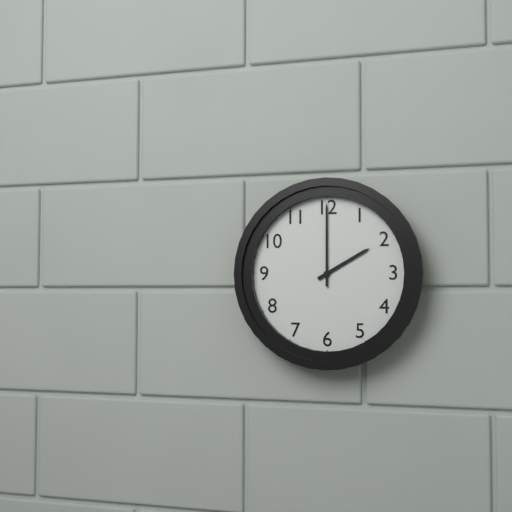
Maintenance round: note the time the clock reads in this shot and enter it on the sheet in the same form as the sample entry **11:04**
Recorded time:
**2:00**
